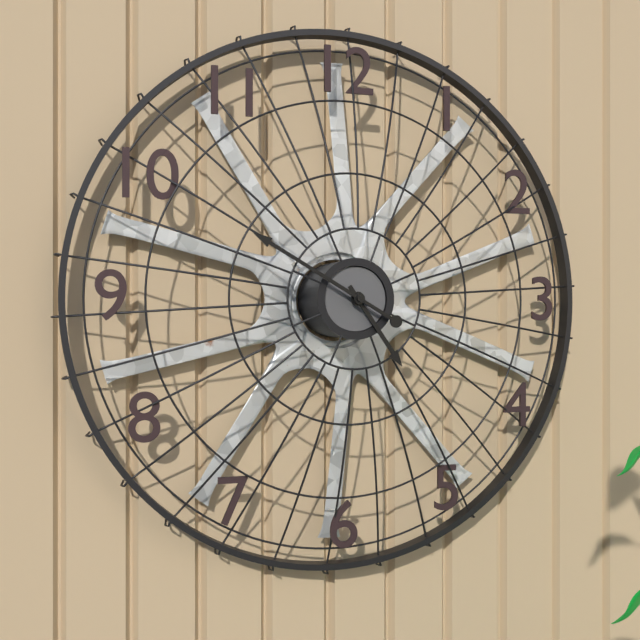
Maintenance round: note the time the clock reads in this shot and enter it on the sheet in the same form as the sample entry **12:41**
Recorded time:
**4:50**
